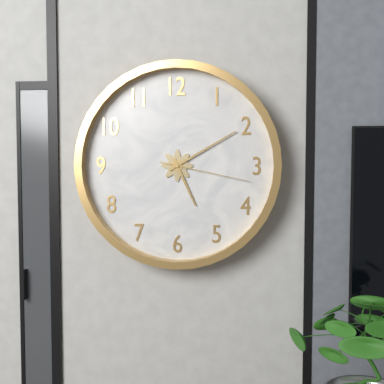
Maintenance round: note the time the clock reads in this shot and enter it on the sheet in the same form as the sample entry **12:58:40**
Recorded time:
**5:10:17**
